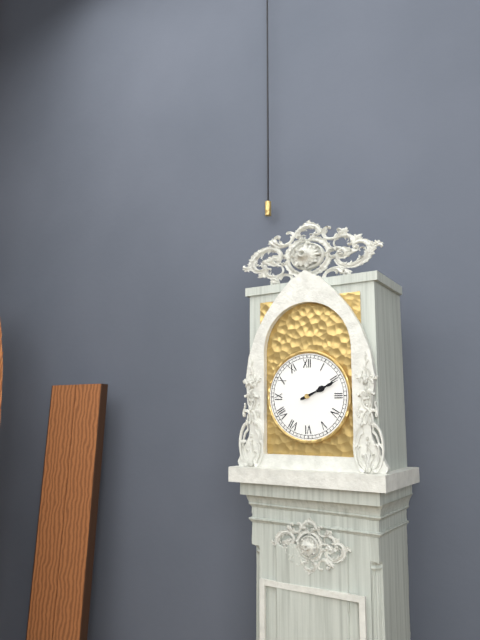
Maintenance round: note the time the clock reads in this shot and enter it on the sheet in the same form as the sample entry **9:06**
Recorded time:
**2:11**
